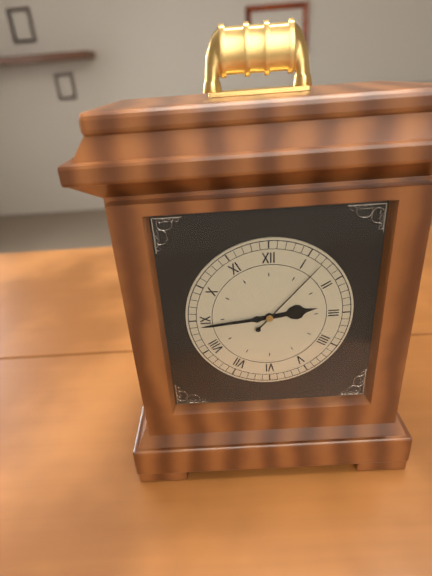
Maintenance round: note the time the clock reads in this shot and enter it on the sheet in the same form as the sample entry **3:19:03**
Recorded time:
**2:44:07**
